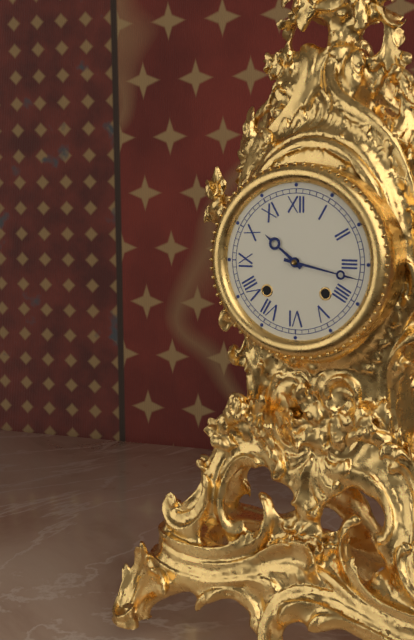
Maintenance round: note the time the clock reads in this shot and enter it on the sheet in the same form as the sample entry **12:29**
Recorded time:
**10:17**
